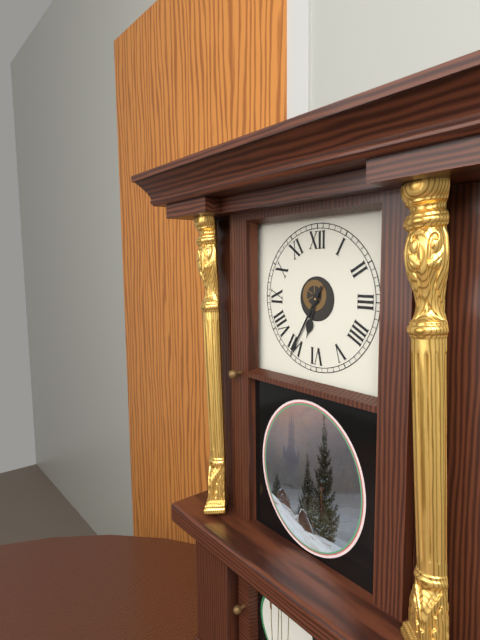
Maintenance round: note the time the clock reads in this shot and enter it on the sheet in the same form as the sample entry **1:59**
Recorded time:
**6:35**
